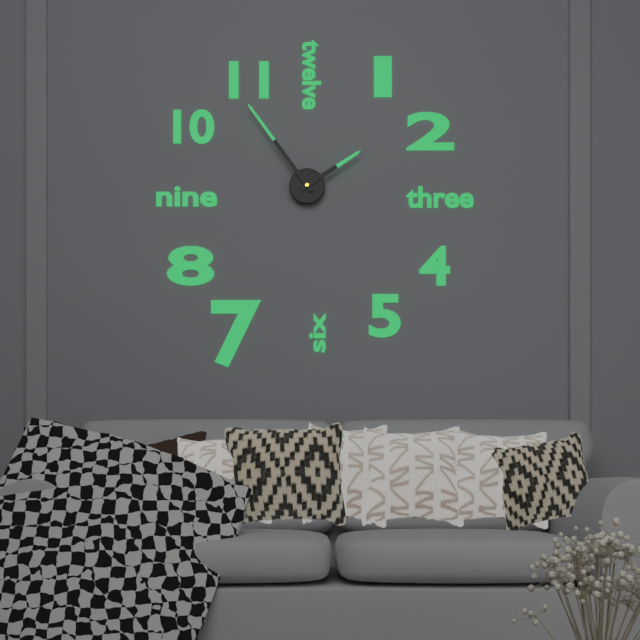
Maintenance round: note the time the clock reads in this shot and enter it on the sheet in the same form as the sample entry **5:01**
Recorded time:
**1:54**
